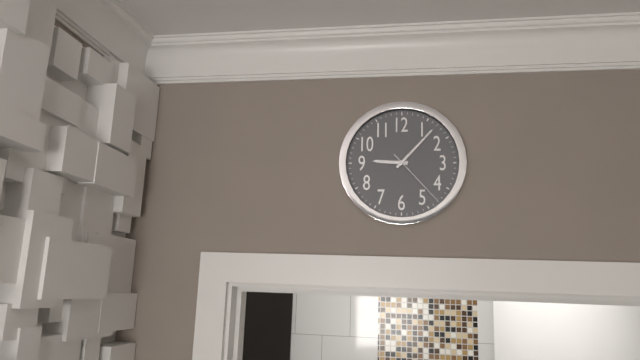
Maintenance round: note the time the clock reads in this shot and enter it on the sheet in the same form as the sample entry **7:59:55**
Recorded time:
**9:07:23**
